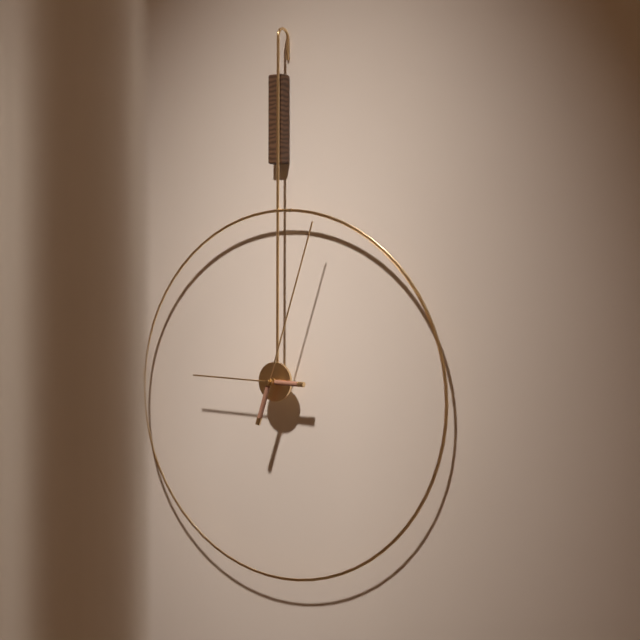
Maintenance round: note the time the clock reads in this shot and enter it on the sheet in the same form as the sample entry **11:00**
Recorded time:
**9:03**
